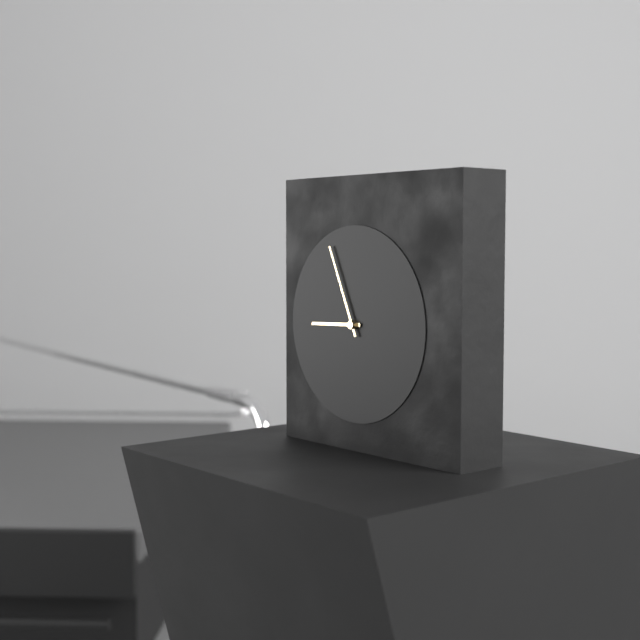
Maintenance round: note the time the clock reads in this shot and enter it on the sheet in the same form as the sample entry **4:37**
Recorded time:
**8:56**
